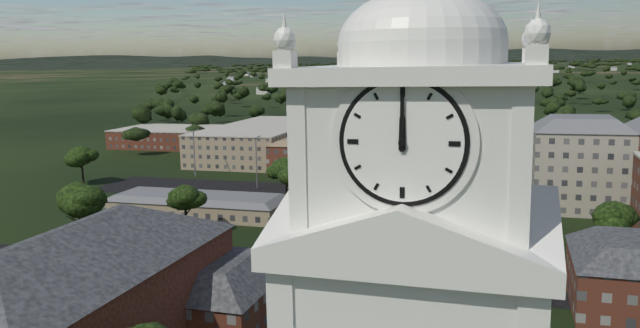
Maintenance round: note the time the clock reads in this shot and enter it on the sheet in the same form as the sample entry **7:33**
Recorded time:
**12:00**
